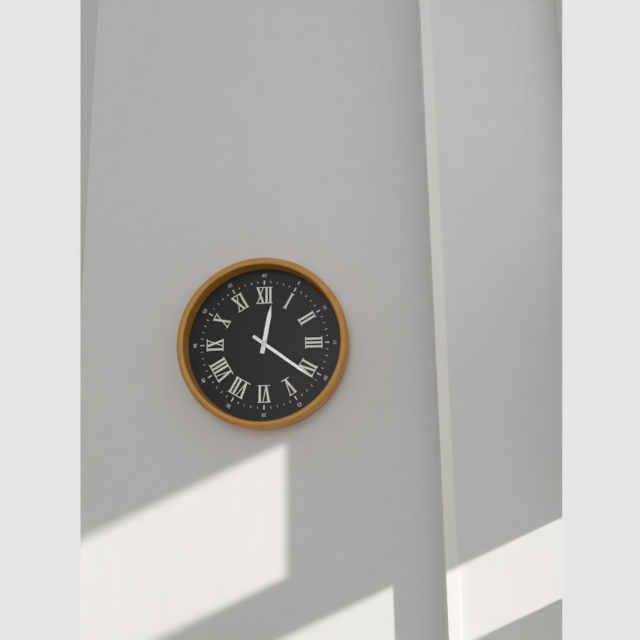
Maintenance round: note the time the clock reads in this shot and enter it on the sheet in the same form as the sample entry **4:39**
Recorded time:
**12:21**
